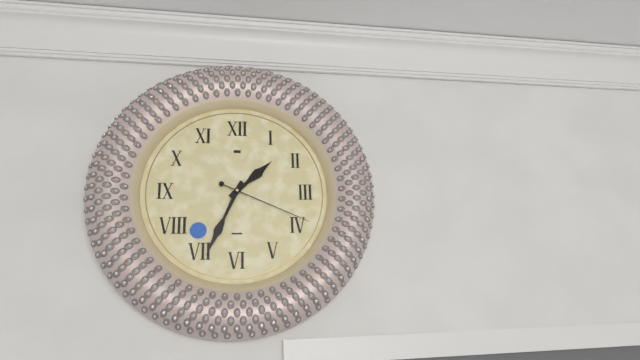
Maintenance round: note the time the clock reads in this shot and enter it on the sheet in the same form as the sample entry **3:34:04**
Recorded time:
**1:34:19**
